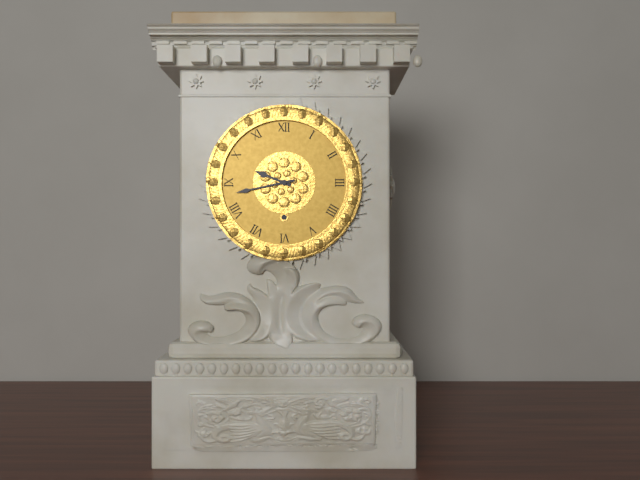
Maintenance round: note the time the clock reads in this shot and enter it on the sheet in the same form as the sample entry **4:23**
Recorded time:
**9:43**
